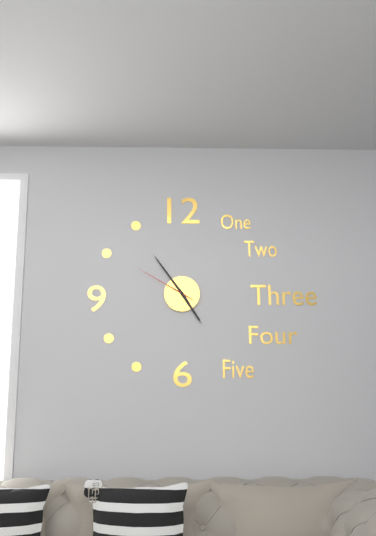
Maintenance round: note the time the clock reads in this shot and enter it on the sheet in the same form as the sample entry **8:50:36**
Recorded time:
**4:54:50**
